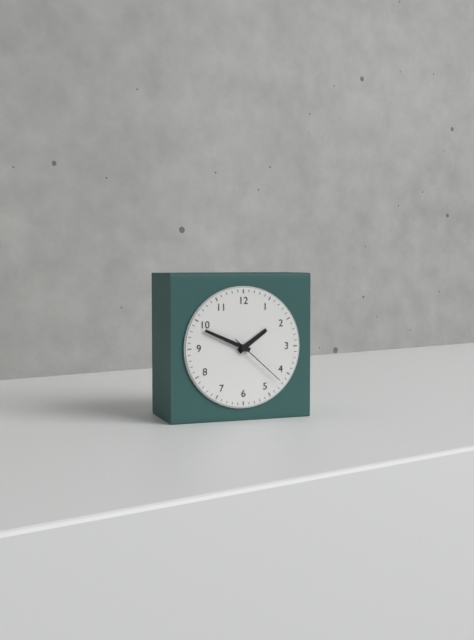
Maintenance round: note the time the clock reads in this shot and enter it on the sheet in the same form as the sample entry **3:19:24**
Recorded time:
**1:49:22**
